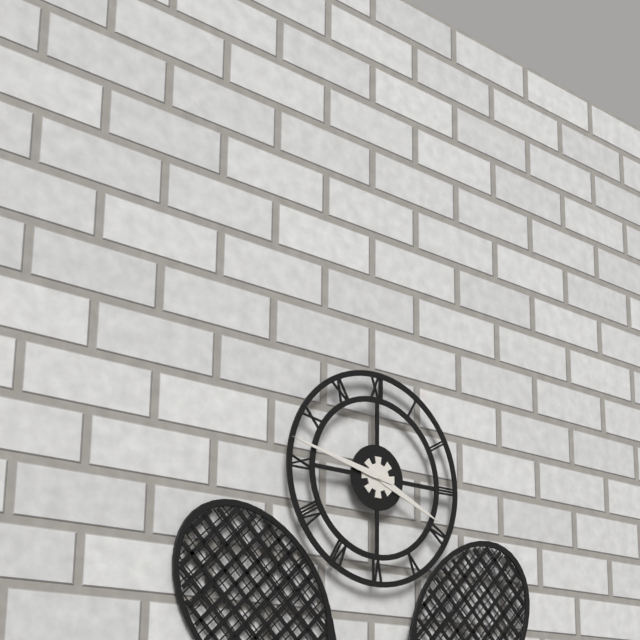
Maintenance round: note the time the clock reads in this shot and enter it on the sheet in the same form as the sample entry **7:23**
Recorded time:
**3:47**
